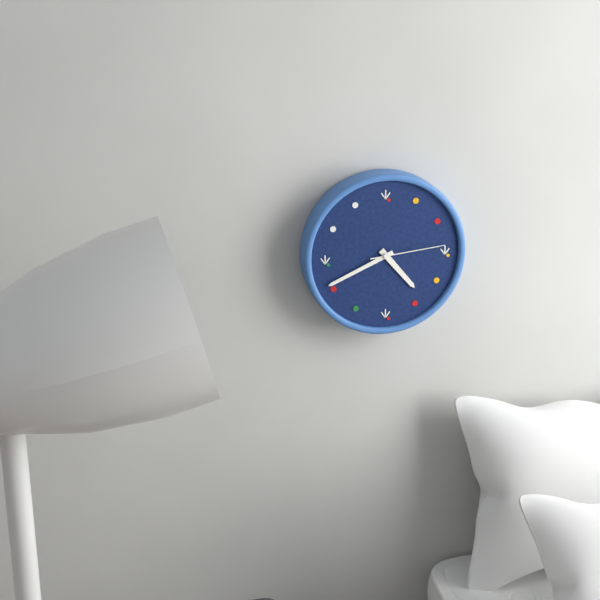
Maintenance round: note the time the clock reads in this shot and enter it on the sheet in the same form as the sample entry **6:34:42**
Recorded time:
**4:41:14**
